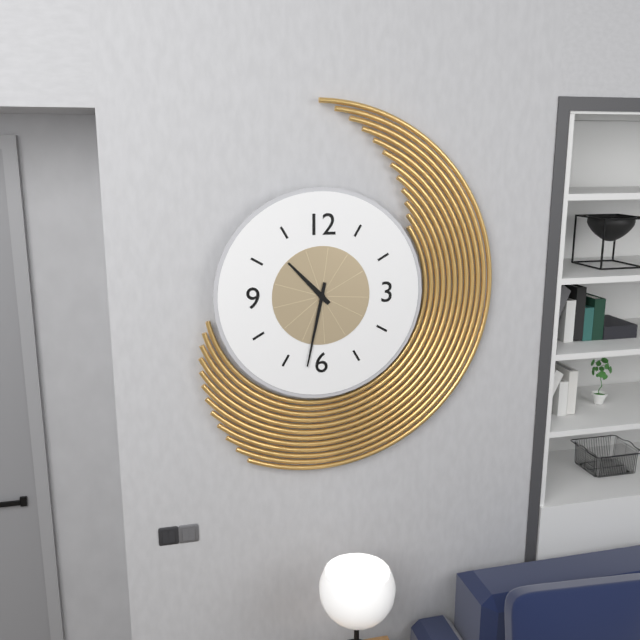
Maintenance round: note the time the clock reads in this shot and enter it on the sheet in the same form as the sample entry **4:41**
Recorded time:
**10:32**
